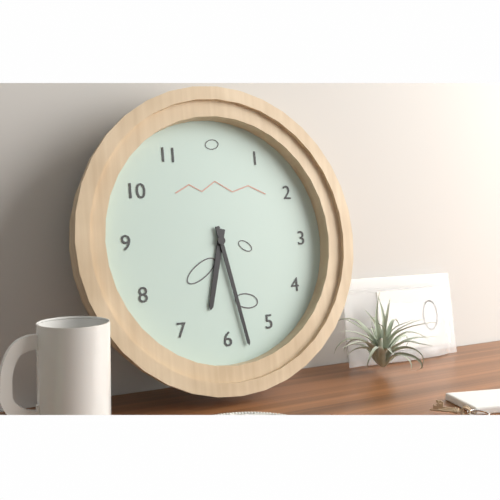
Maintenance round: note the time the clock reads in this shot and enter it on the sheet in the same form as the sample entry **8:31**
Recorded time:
**6:28**
